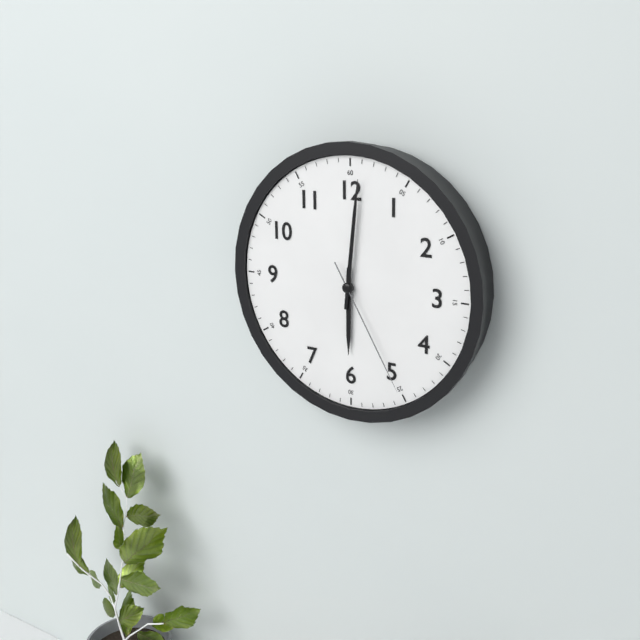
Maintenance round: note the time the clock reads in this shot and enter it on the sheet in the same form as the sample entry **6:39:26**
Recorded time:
**6:01:25**
